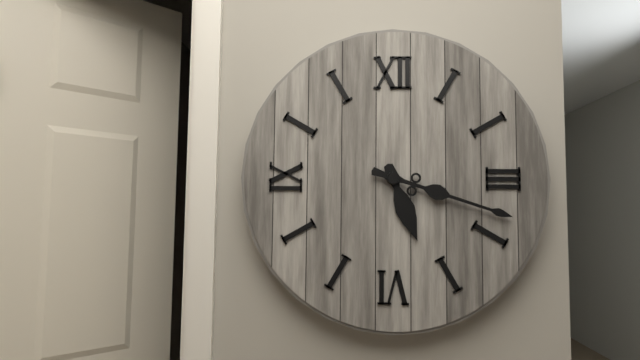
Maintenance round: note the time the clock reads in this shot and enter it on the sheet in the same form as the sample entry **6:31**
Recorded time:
**5:18**
